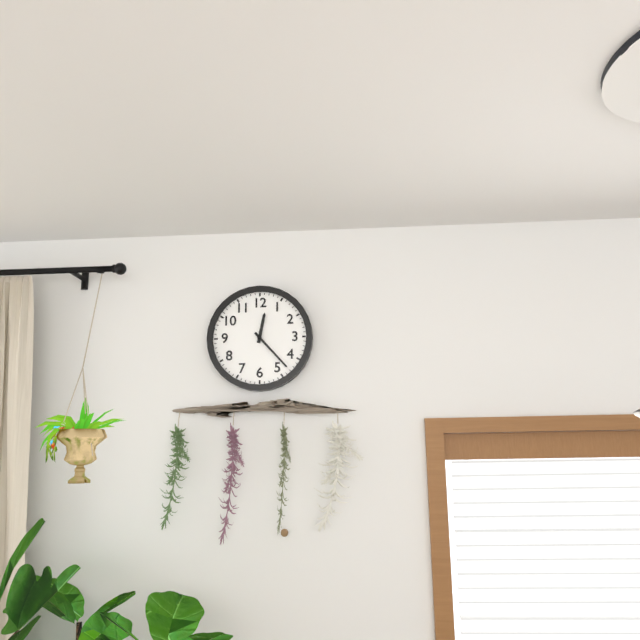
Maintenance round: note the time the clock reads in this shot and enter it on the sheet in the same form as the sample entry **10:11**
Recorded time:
**12:23**
